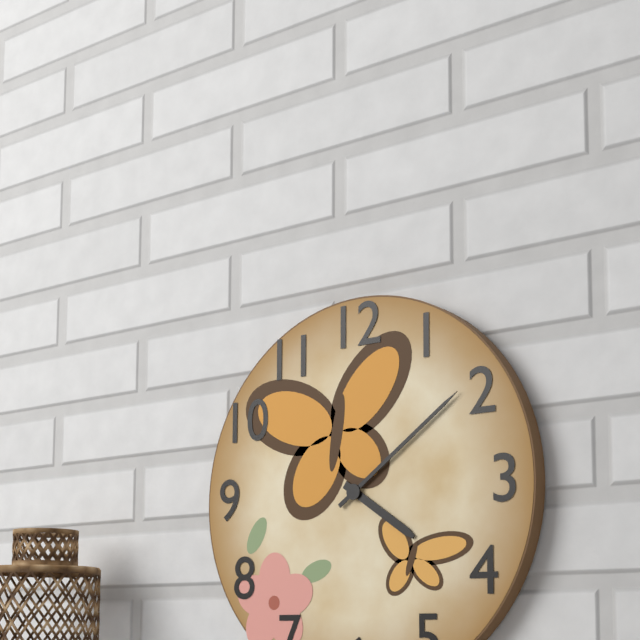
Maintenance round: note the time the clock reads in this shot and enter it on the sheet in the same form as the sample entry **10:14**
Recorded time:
**4:09**
